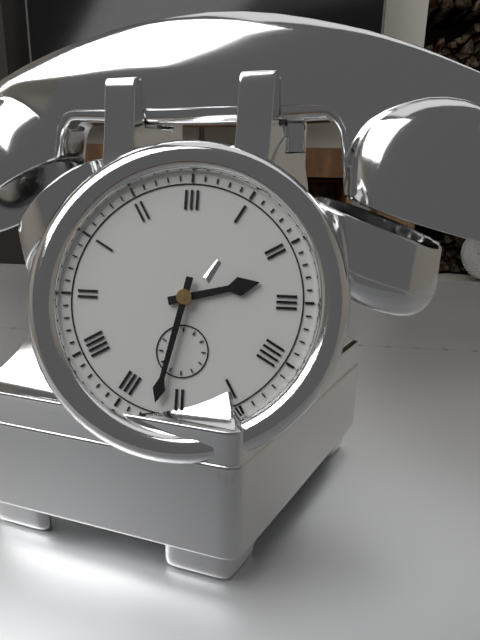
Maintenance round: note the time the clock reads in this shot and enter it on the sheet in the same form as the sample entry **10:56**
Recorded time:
**2:32**
